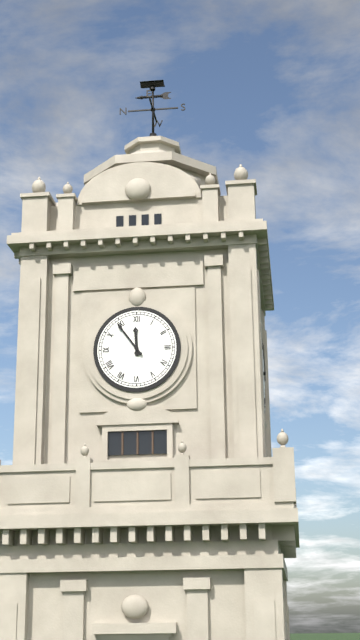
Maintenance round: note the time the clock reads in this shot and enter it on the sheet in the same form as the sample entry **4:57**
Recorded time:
**11:54**
